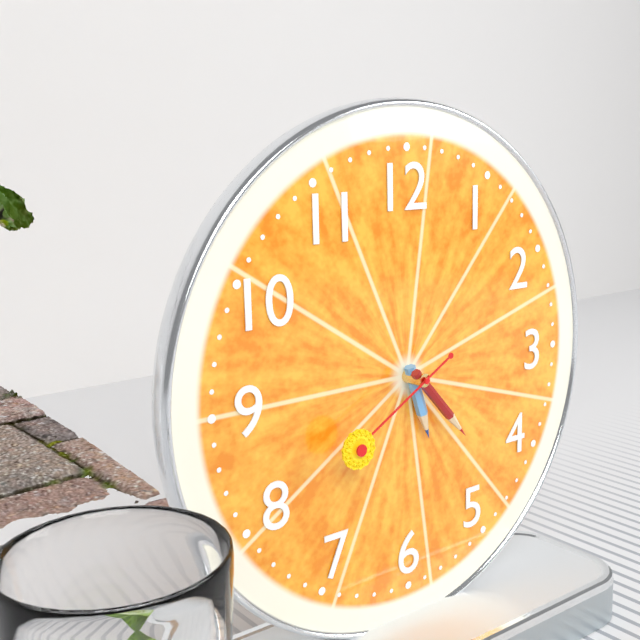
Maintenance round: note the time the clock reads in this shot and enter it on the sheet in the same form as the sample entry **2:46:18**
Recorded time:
**5:23:40**
